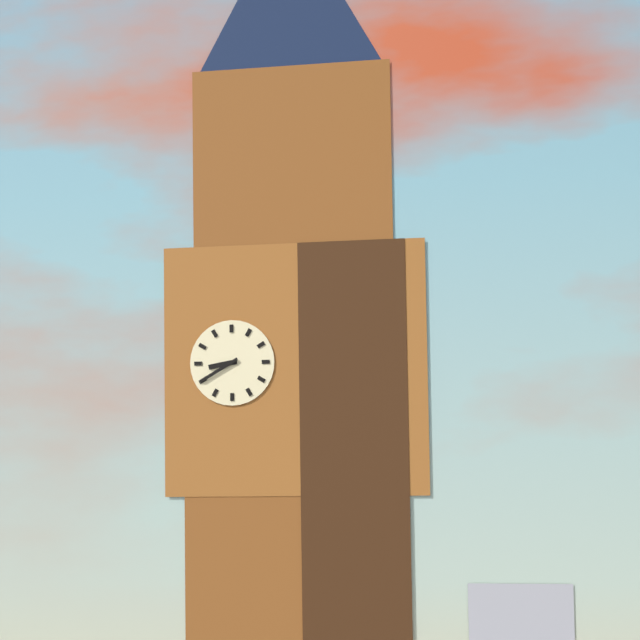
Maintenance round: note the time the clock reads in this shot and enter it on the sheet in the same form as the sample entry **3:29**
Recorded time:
**8:40**
